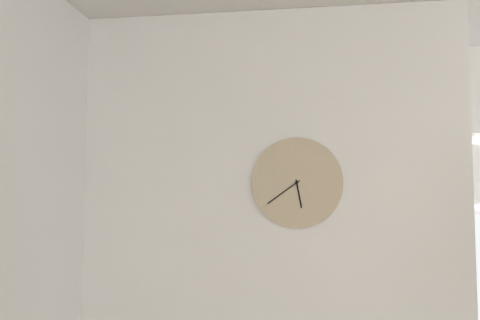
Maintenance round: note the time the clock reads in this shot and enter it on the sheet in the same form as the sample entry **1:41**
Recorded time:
**5:39**
